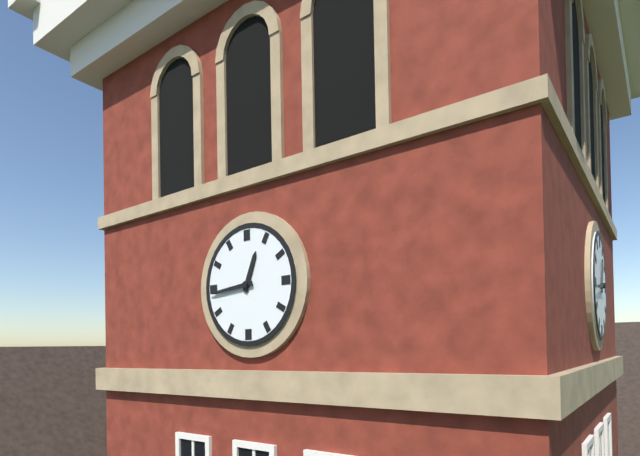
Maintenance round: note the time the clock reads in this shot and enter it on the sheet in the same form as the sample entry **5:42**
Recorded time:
**12:44**
